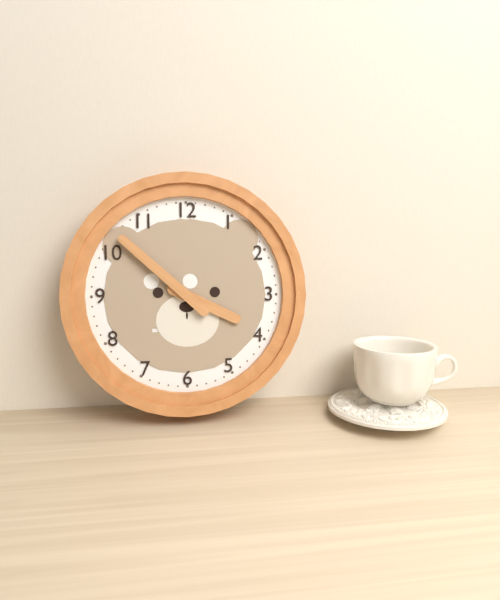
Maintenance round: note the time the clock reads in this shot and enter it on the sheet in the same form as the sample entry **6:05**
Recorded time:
**3:52**
